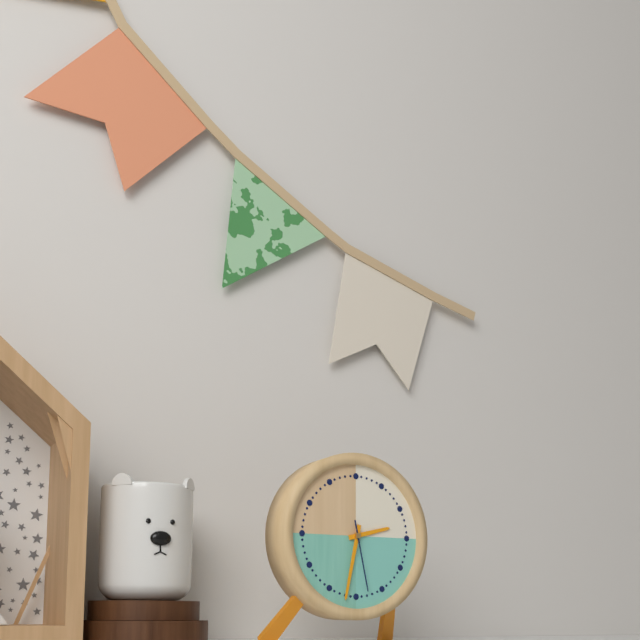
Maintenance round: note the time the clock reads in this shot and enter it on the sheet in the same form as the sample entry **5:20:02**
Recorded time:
**2:32:28**
